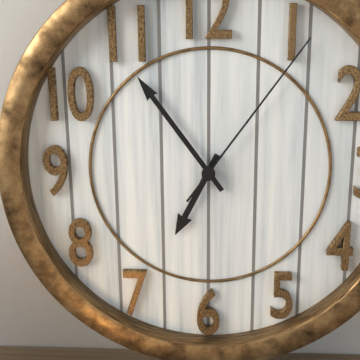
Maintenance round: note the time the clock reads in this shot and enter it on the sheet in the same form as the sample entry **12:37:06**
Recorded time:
**6:54:06**
